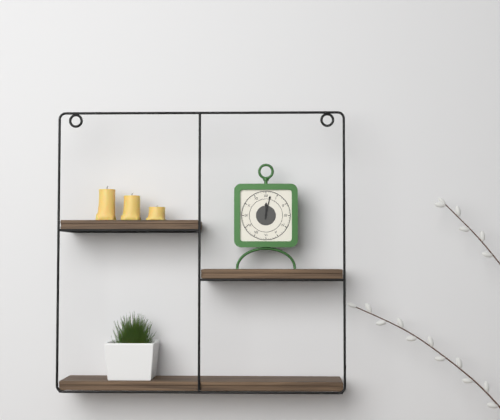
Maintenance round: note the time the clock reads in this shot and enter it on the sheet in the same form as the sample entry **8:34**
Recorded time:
**12:02**
